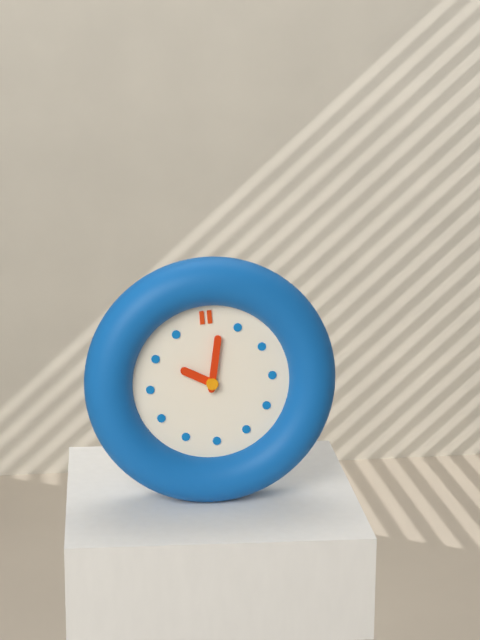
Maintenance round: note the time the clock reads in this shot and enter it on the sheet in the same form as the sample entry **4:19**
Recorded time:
**10:02**
